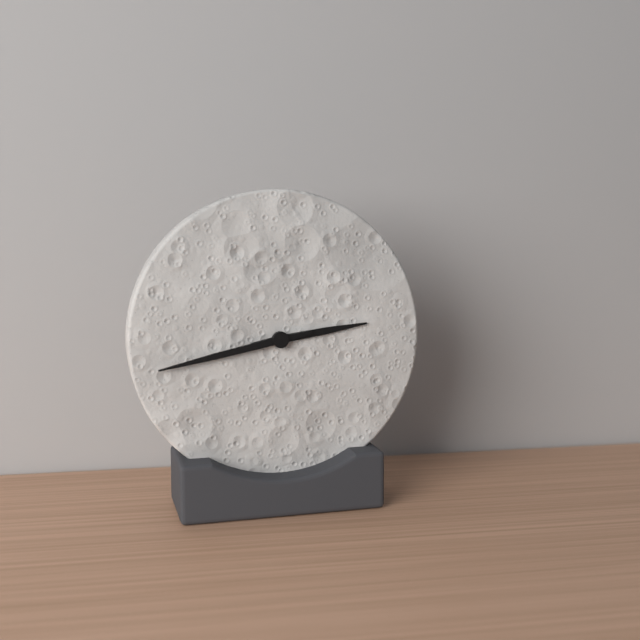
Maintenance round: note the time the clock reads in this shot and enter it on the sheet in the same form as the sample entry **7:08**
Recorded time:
**2:43**
